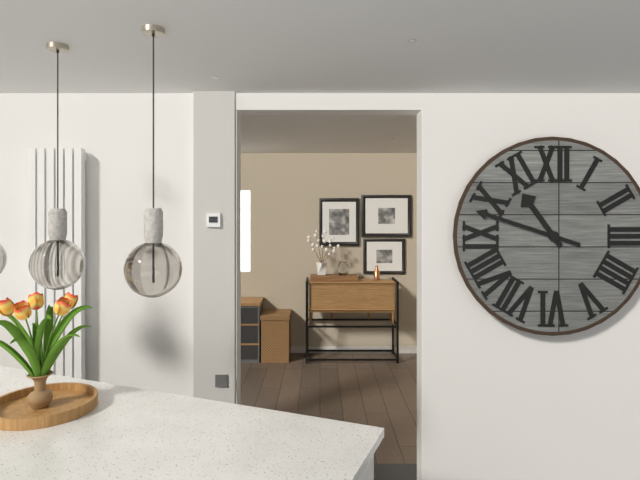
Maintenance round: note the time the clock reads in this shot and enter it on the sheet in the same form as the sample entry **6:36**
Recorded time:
**10:48**
